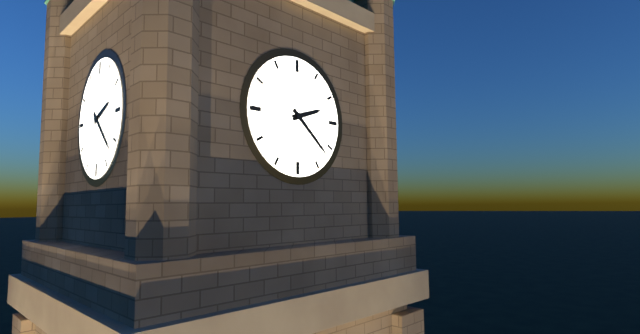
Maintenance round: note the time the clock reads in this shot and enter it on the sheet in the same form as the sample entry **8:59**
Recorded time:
**2:22**
